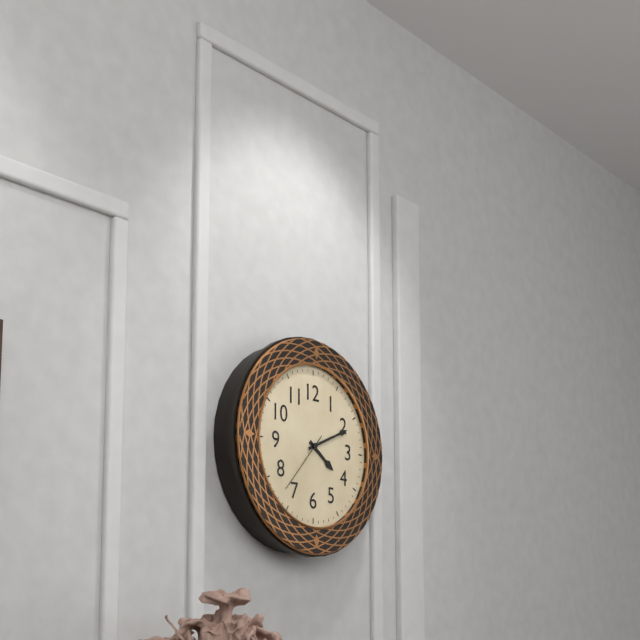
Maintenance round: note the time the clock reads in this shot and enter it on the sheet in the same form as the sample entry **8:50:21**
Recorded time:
**4:11:37**
